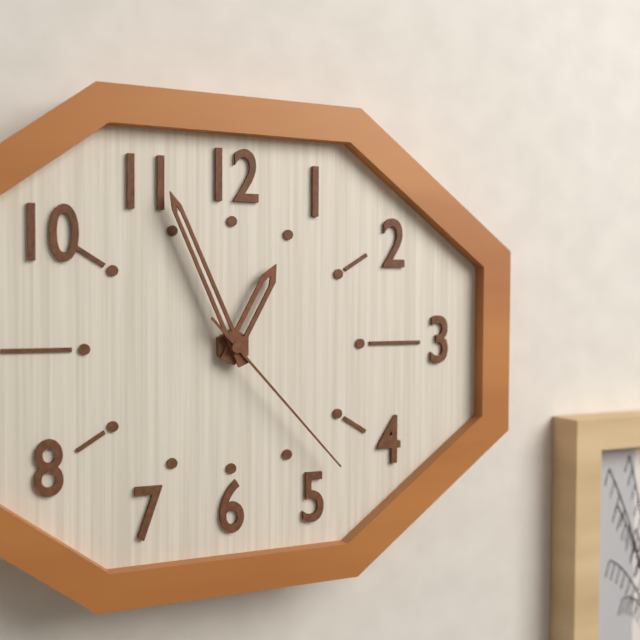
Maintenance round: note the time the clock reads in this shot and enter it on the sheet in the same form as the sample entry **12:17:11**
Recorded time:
**12:56:23**
